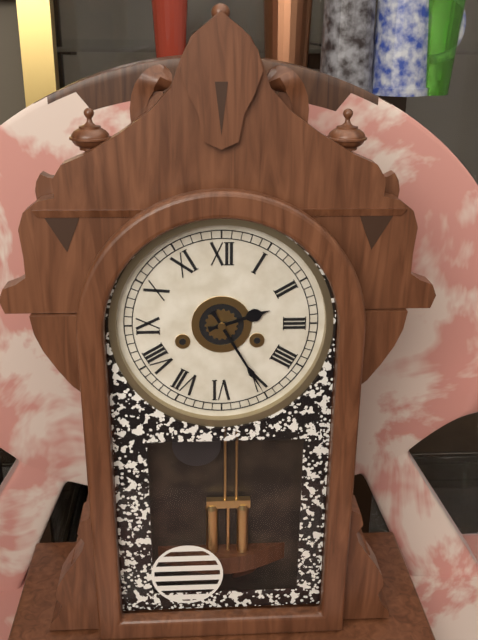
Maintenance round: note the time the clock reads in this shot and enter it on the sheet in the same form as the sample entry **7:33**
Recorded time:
**2:25**
